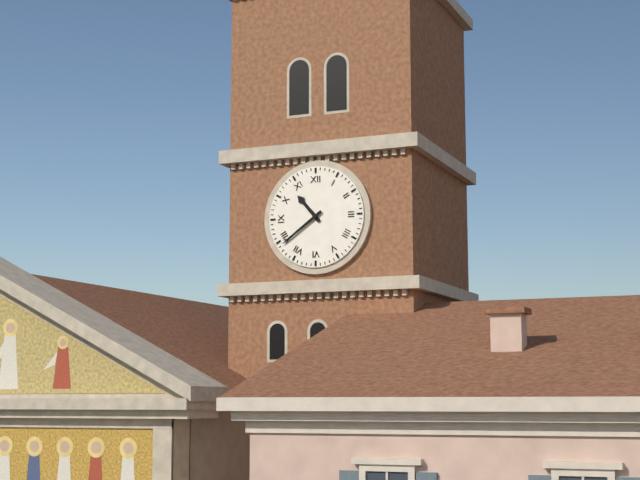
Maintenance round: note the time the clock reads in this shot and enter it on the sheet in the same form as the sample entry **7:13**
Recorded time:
**10:39**
